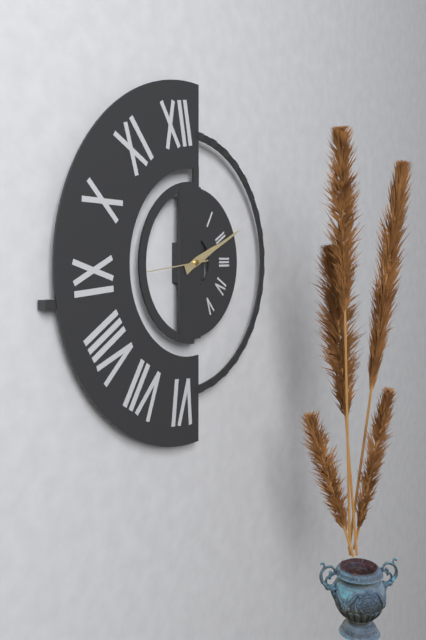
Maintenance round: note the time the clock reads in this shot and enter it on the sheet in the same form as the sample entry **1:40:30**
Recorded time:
**2:11:44**
